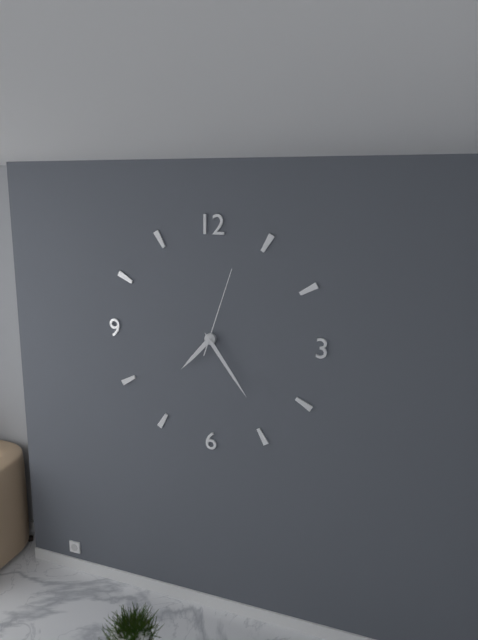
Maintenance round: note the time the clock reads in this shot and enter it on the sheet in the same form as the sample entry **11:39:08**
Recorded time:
**7:24:03**
